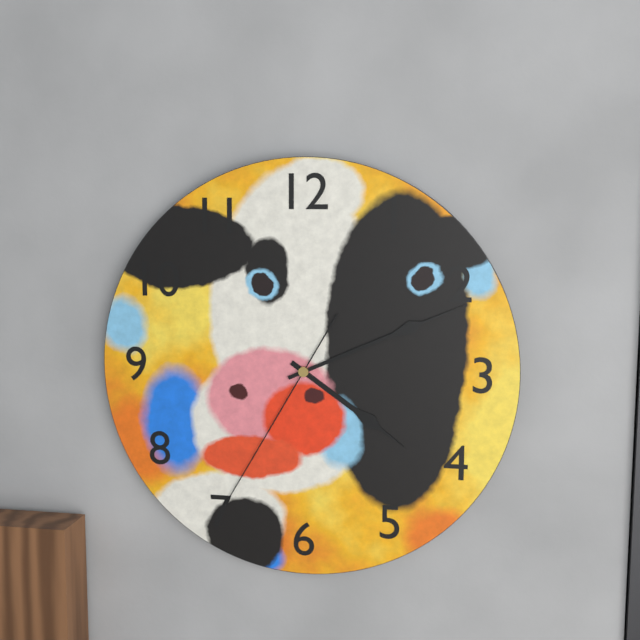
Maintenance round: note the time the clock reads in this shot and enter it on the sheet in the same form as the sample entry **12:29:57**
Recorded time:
**4:11:35**
